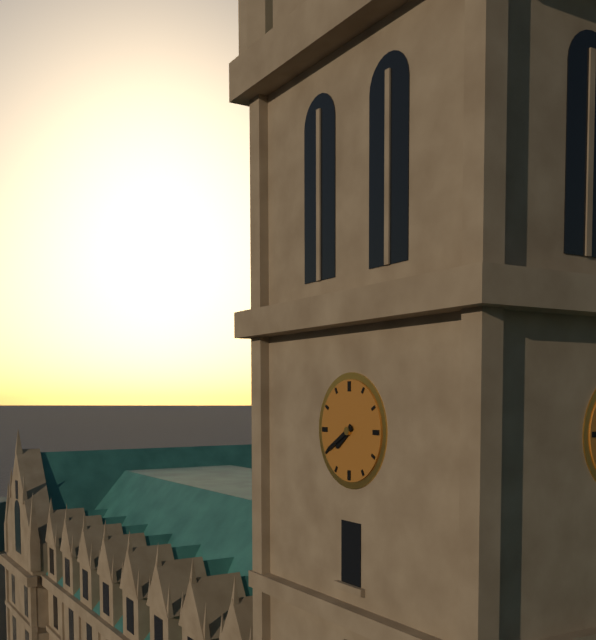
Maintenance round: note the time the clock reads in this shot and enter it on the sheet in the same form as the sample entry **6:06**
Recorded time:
**7:40**
